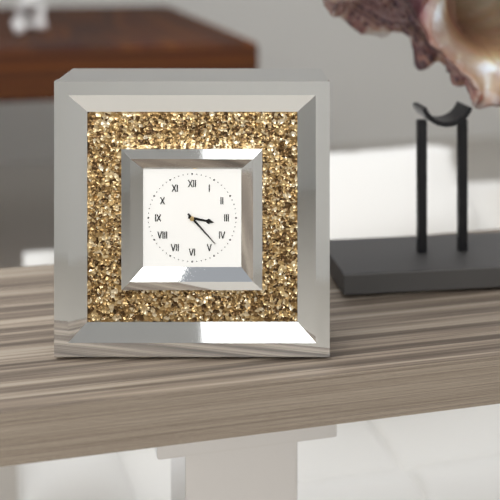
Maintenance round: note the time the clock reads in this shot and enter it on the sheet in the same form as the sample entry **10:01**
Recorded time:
**3:23**
